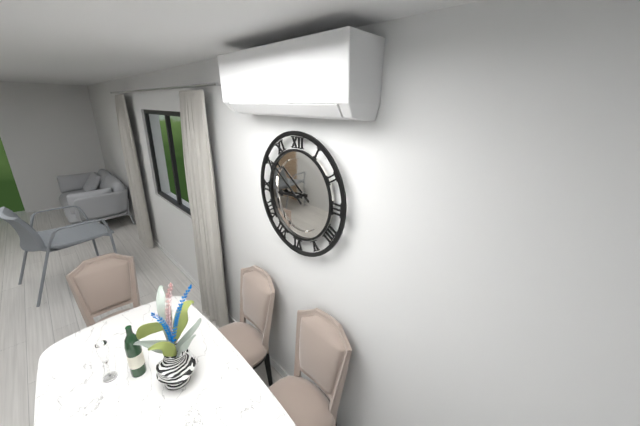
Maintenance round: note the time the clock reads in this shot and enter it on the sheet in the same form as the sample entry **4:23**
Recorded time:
**8:51**
